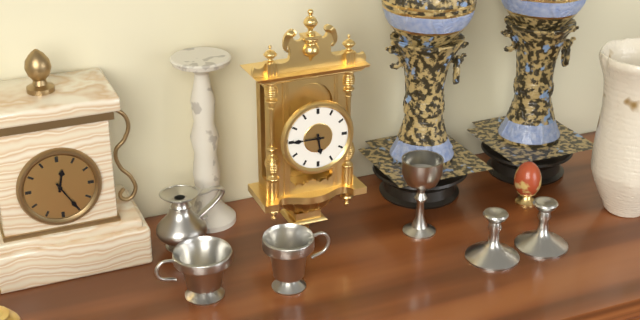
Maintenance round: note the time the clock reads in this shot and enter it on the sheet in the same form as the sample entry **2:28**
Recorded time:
**5:45**
